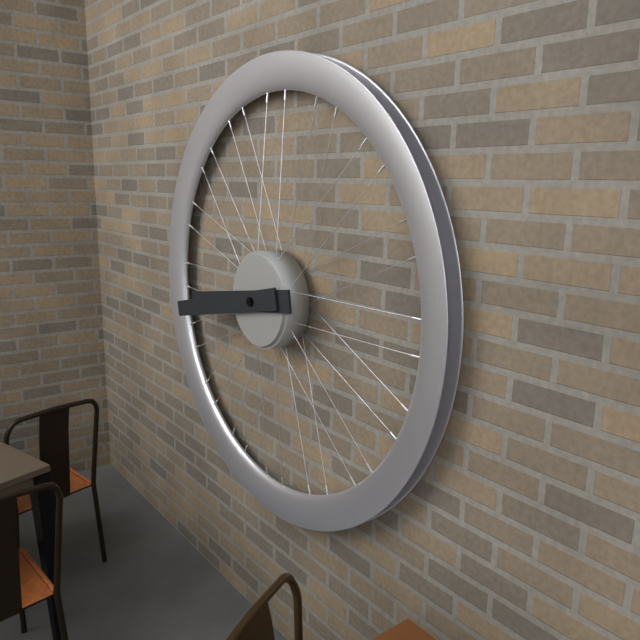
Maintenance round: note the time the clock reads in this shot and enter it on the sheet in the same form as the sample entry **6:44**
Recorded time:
**8:43**
